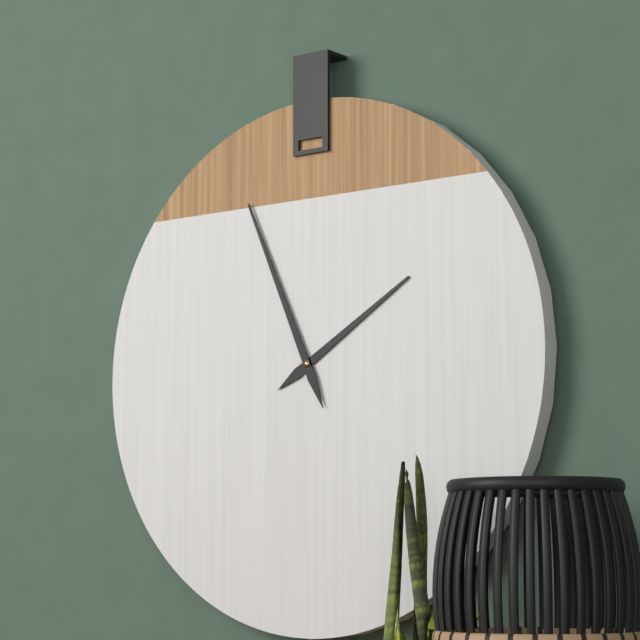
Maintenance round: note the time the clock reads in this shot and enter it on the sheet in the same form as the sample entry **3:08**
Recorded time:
**1:56**
